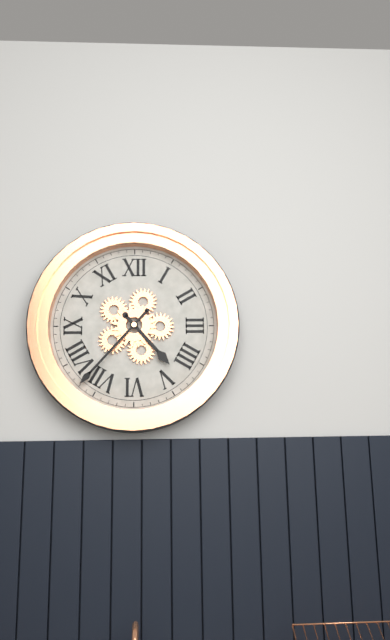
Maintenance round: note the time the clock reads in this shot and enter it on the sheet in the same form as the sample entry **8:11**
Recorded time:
**4:37**
